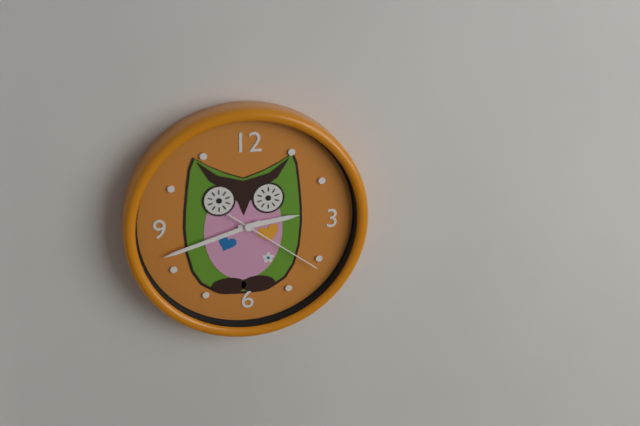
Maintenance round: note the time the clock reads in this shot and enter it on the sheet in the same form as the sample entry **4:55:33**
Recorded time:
**2:42:21**
